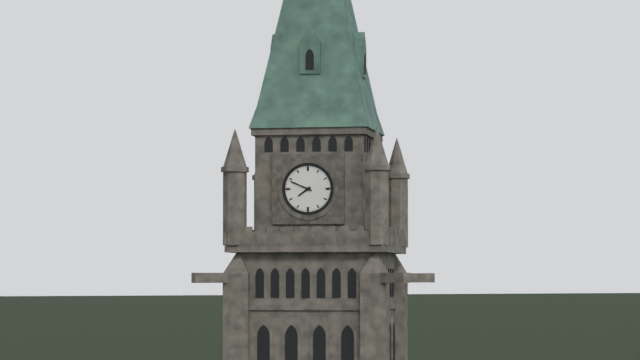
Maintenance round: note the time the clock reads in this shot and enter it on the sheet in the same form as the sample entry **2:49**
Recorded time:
**7:49**
